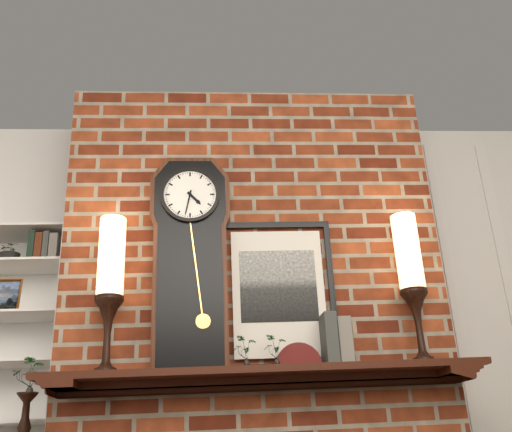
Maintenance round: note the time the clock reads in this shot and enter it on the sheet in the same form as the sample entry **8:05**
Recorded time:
**4:32**
